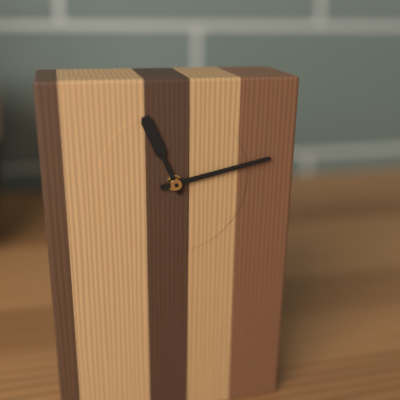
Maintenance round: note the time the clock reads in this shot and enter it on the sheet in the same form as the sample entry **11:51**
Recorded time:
**11:13**
